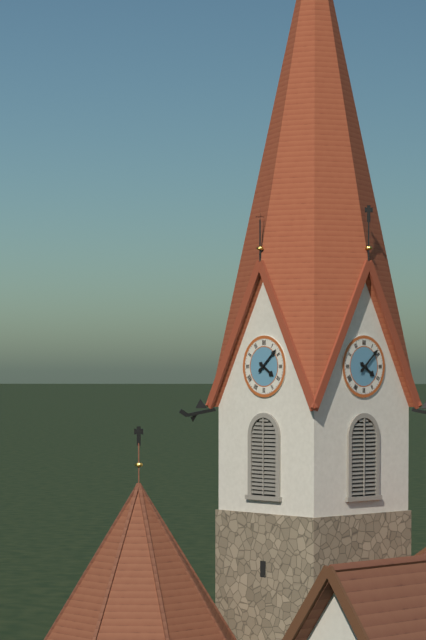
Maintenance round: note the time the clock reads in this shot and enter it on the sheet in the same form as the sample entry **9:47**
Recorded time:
**4:08**
